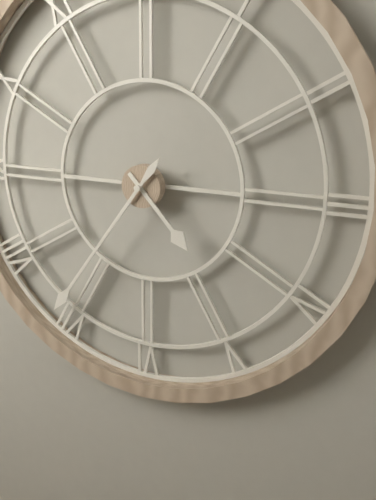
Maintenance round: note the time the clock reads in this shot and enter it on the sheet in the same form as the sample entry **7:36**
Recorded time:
**4:36**
